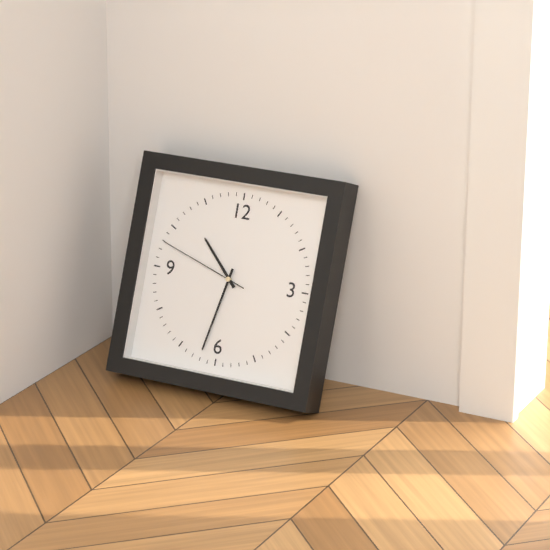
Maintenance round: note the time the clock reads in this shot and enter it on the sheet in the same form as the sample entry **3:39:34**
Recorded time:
**10:32:48**
